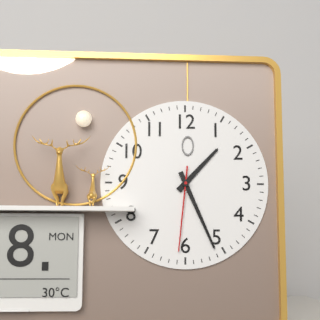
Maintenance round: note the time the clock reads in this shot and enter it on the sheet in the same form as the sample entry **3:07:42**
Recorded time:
**1:26:31**
